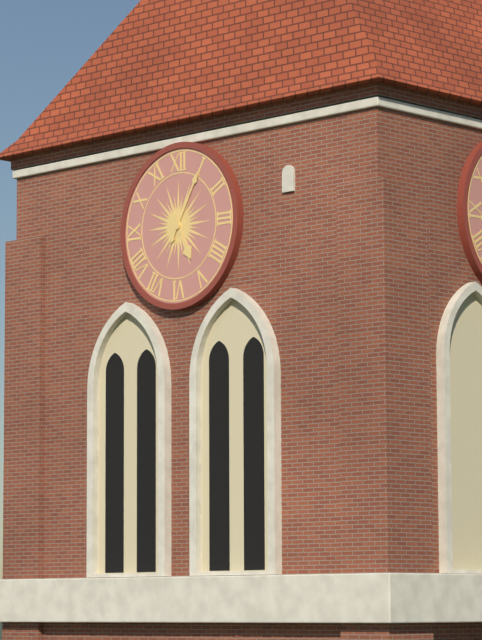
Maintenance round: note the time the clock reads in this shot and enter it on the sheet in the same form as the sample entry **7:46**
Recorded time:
**5:05**
